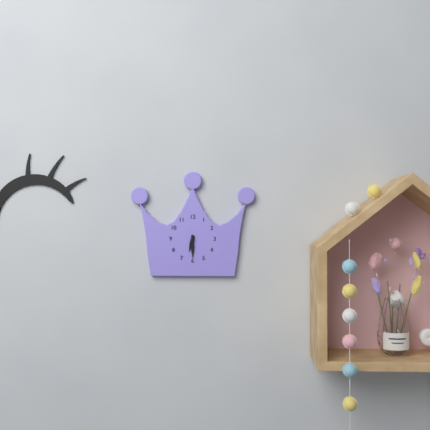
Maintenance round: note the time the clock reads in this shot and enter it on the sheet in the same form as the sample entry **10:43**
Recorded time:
**6:30**
